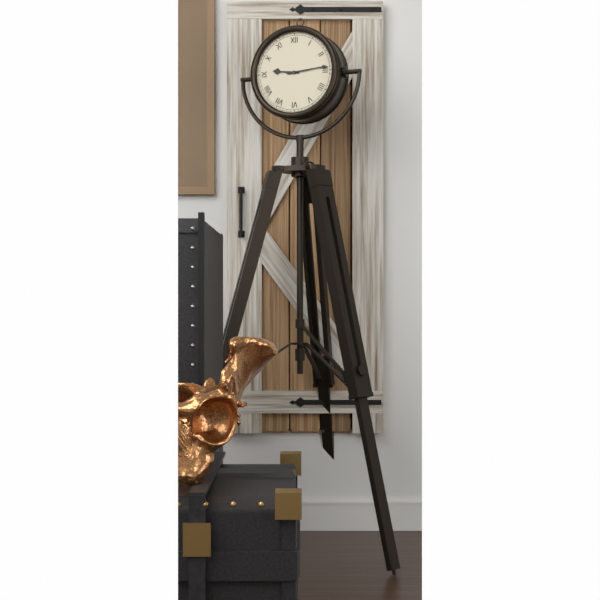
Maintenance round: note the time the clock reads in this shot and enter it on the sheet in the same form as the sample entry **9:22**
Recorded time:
**9:14**
